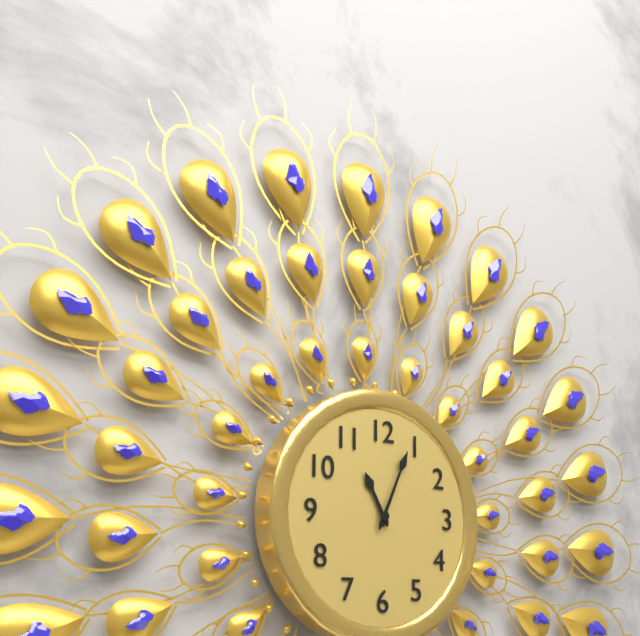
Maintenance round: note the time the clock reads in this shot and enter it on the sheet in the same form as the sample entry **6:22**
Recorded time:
**11:04**
